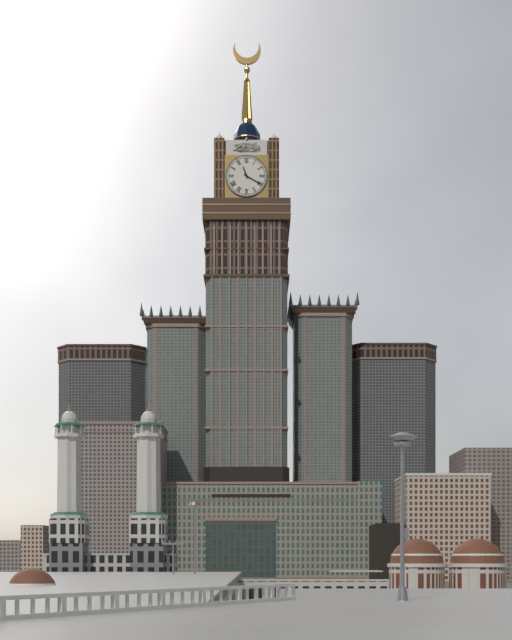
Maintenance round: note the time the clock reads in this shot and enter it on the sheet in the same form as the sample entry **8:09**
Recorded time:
**11:20**
